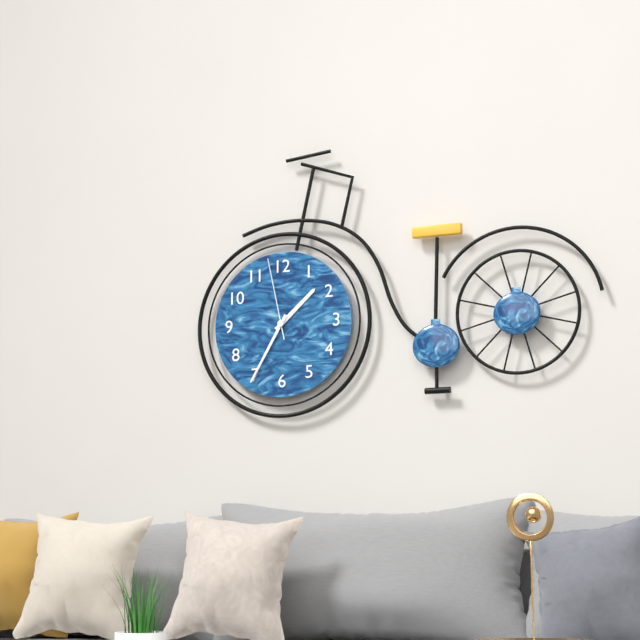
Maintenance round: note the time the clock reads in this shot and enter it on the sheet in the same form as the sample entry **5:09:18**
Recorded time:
**1:35:58**
